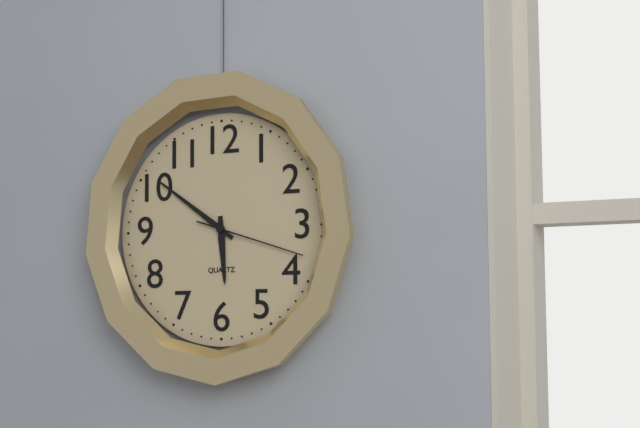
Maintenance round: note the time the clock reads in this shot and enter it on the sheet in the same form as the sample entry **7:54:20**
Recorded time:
**5:51:18**
